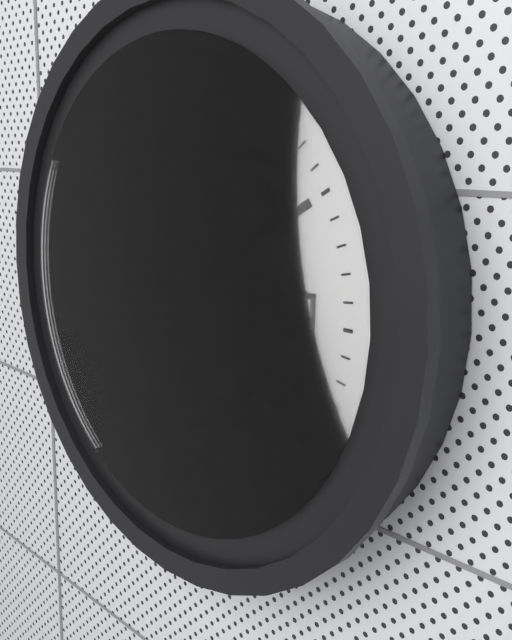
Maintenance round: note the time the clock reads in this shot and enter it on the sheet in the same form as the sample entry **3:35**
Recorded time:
**5:08**
